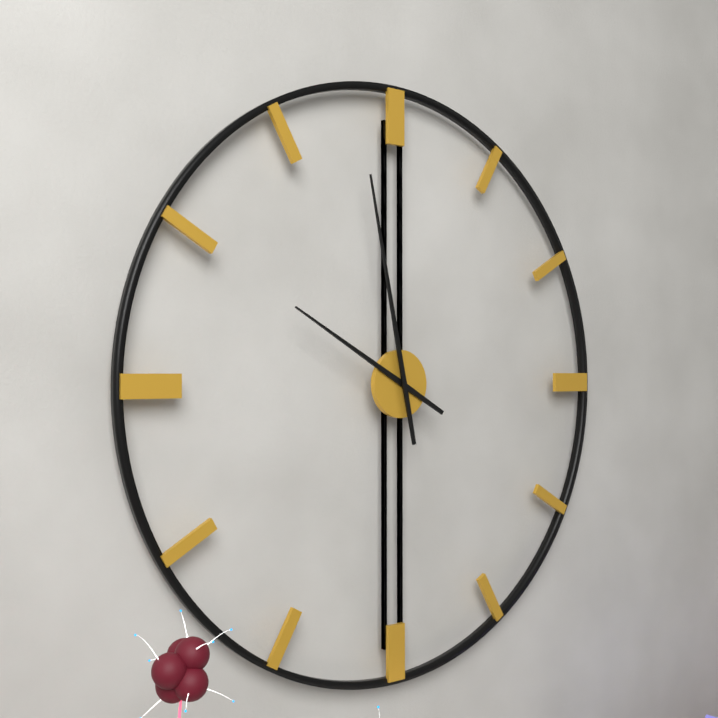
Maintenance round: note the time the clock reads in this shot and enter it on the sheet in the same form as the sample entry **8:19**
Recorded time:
**9:58**
